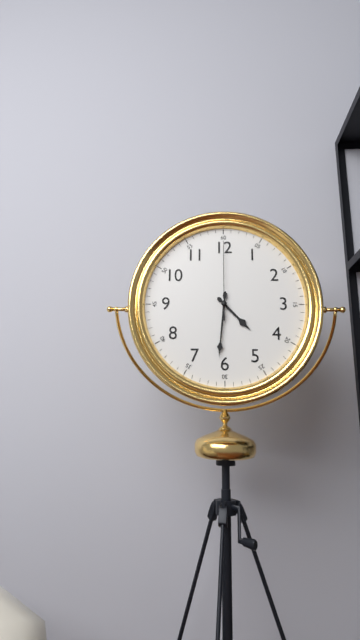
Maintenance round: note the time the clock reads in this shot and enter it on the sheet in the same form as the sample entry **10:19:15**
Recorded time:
**4:31:00**
